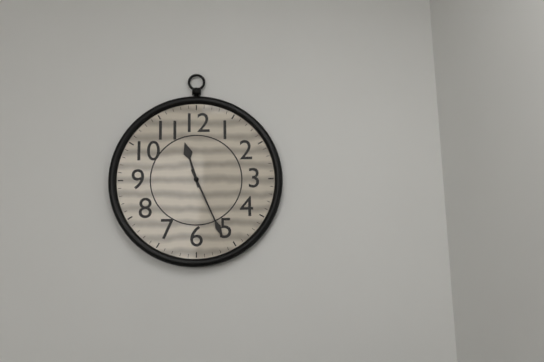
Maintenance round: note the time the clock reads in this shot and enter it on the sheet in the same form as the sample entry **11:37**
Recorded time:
**11:26**
